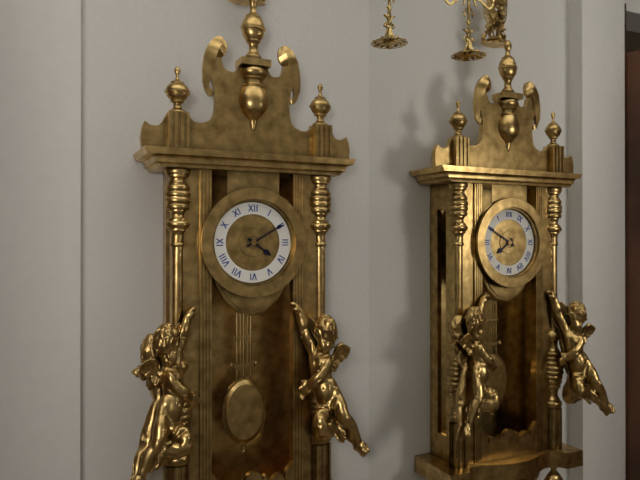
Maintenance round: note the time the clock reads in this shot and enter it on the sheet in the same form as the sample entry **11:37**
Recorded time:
**4:10**
